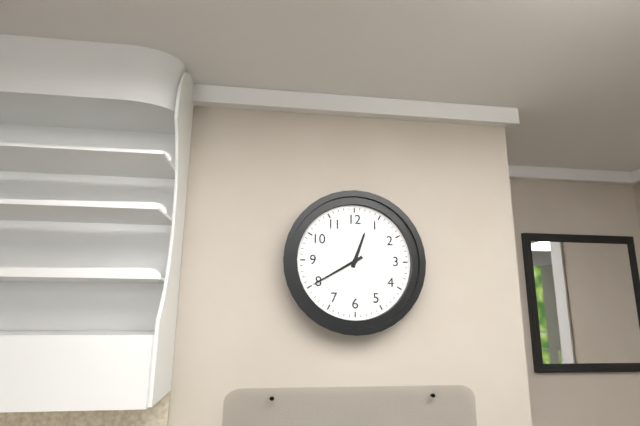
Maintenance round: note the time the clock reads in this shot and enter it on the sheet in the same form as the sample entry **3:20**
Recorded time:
**12:40**
